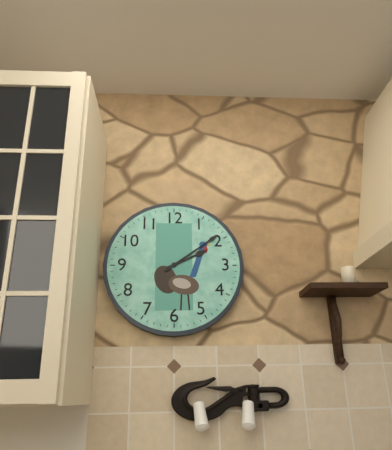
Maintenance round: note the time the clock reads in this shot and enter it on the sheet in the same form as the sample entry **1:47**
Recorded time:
**2:09**
